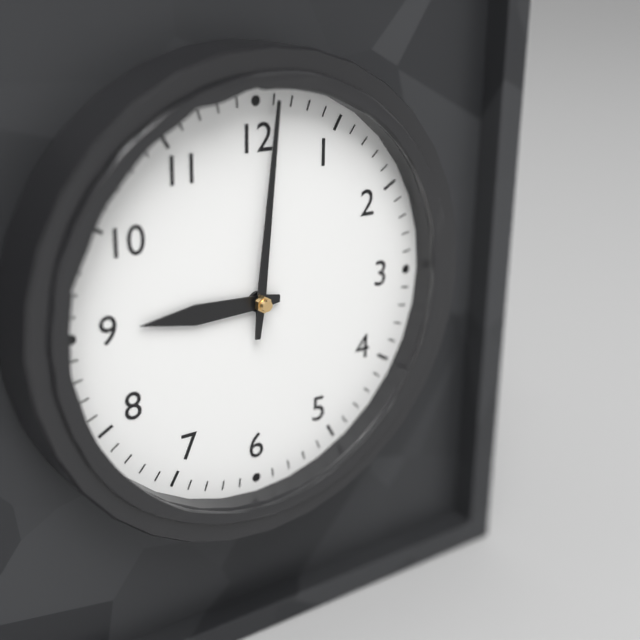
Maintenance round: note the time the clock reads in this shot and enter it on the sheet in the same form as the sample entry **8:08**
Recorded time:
**9:01**
